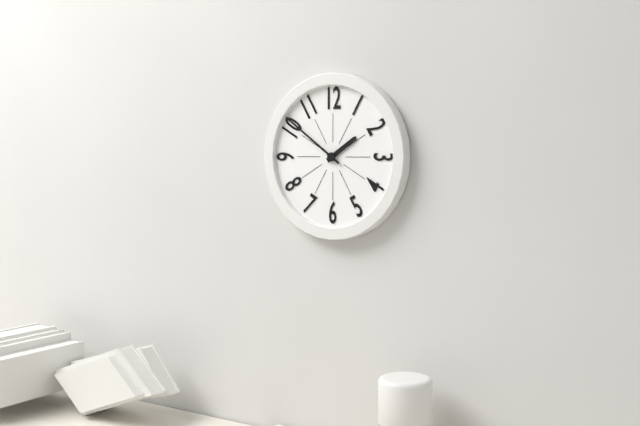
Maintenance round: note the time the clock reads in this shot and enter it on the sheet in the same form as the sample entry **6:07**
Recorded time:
**1:51**
